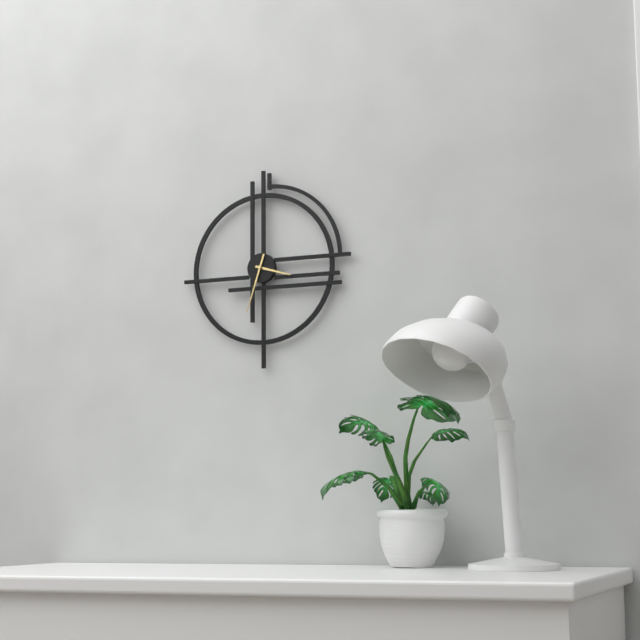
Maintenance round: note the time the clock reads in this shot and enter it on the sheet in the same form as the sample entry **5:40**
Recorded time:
**3:33**
